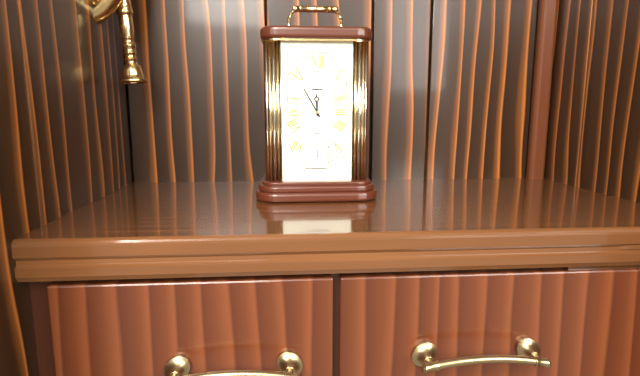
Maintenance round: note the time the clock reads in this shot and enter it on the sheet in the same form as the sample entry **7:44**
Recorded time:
**11:55**
